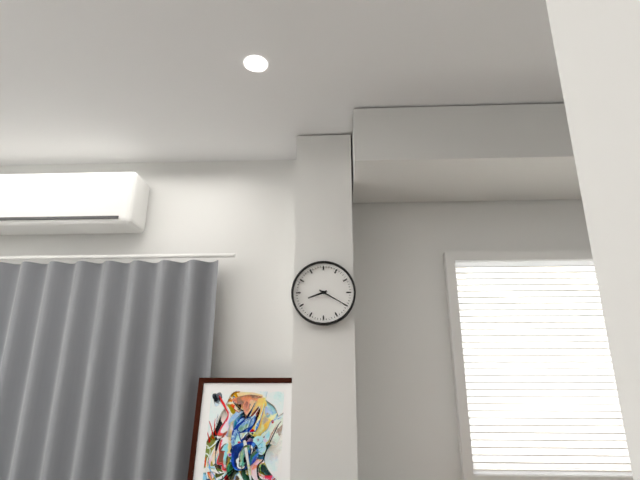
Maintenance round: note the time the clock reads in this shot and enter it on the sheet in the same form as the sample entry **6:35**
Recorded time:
**8:20**
